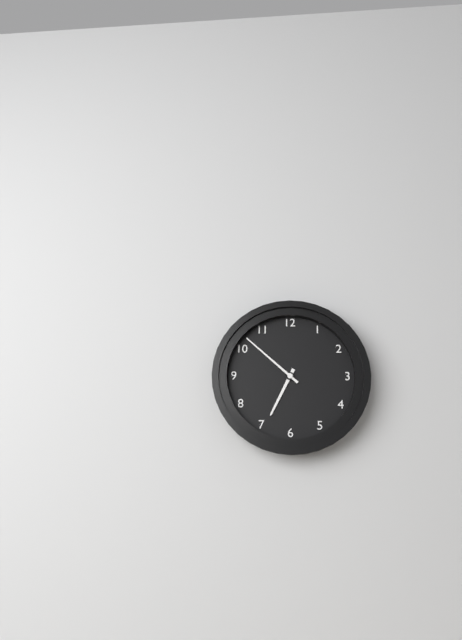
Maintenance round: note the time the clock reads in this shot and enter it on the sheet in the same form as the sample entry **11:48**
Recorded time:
**6:52**
